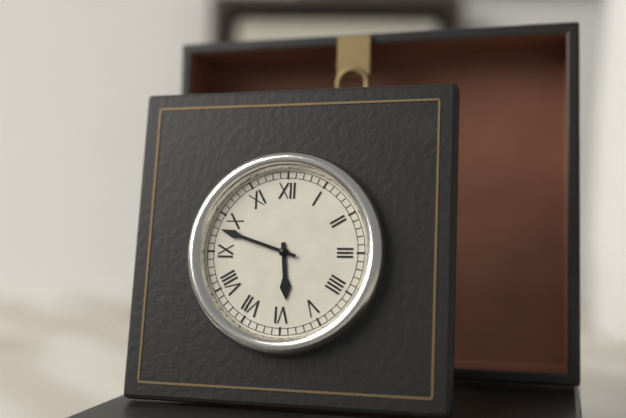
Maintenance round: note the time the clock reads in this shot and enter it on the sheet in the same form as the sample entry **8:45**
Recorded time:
**5:48**
